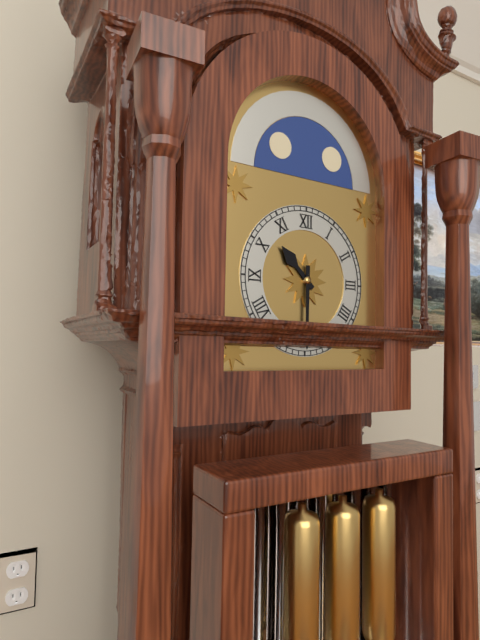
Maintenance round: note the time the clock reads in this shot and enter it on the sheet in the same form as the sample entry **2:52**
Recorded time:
**10:30**
